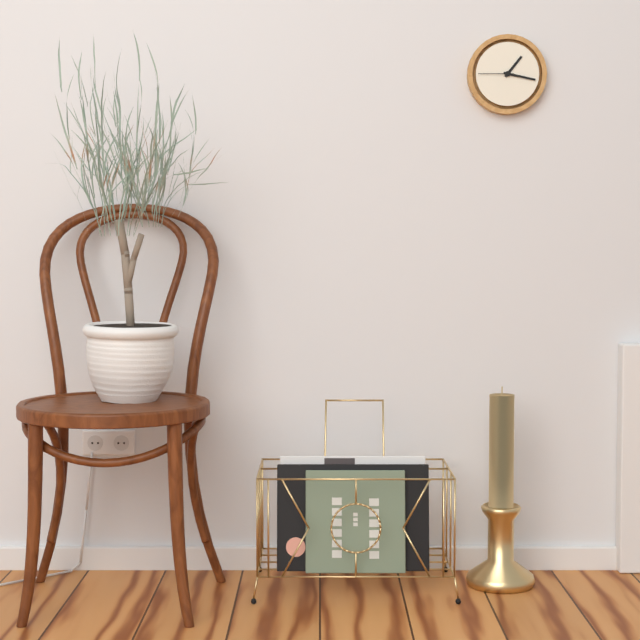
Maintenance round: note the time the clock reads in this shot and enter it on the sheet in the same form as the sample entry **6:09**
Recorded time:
**1:17**
